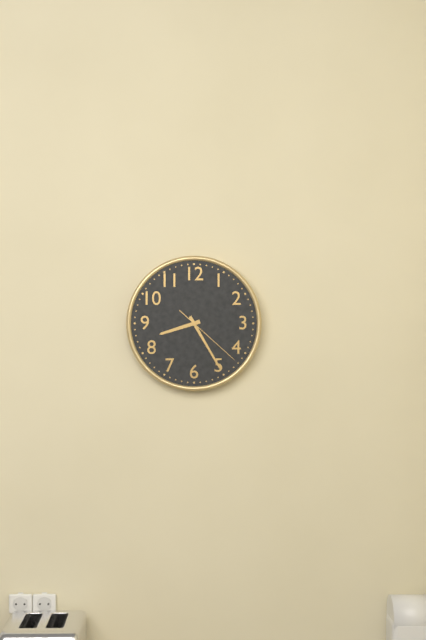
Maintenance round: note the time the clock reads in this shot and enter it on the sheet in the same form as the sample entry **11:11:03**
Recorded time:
**8:25:22**
